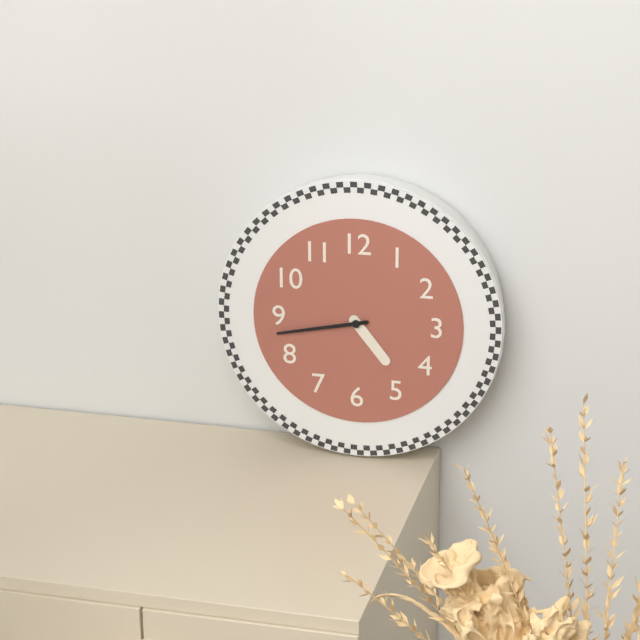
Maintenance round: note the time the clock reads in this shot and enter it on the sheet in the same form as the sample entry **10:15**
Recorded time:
**4:43**
